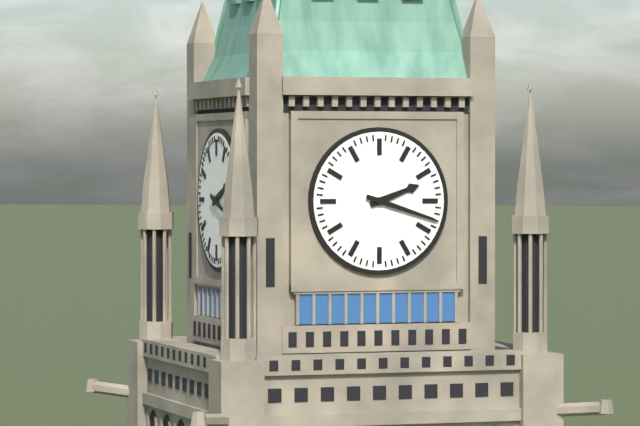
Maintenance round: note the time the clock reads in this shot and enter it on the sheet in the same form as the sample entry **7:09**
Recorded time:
**2:18**
